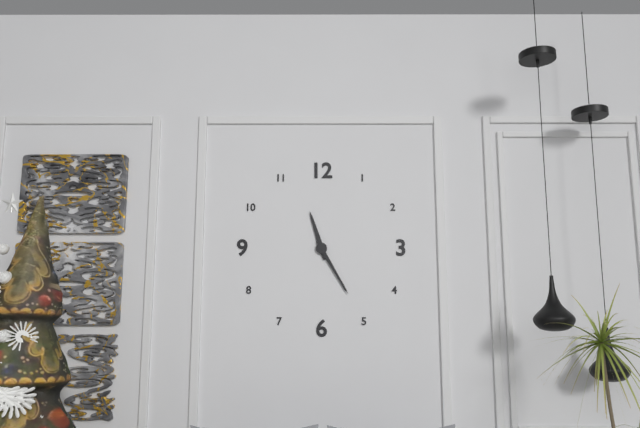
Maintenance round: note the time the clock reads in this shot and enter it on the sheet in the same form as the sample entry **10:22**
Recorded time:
**11:25**
